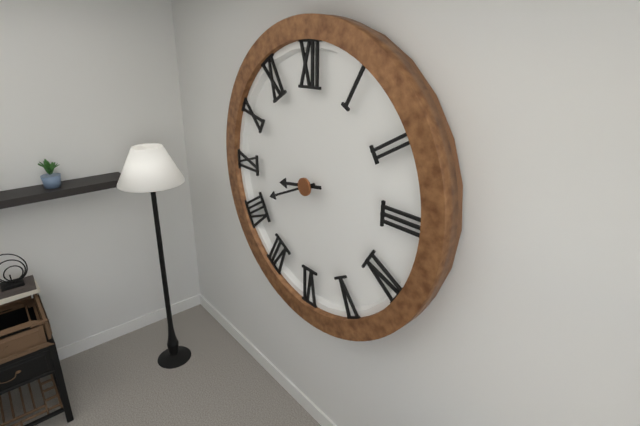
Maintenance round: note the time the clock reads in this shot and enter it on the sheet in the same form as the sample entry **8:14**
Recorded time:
**8:41**
